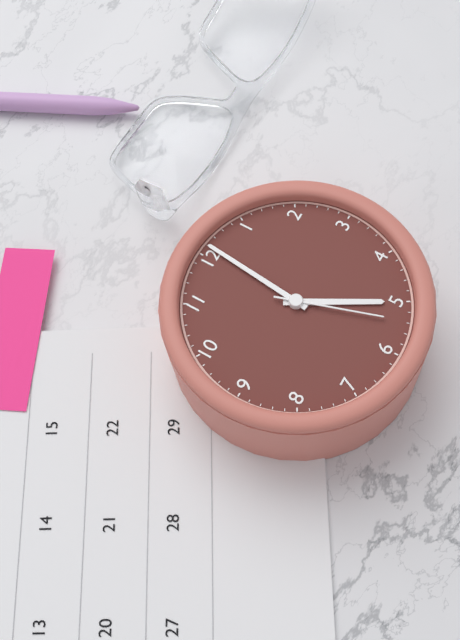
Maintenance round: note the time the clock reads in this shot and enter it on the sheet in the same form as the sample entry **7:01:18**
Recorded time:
**5:01:27**
